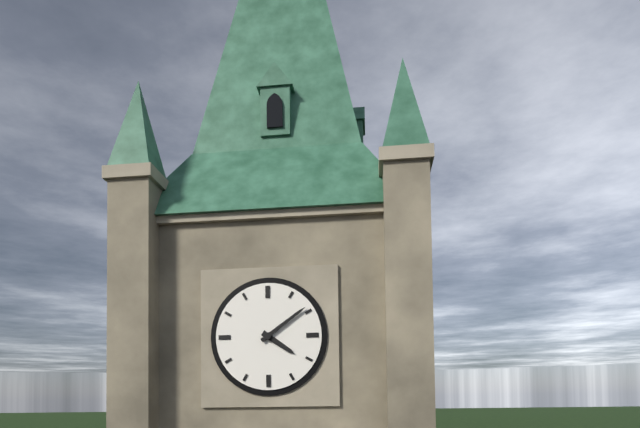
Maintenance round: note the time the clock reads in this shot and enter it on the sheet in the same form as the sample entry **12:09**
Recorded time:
**4:09**
